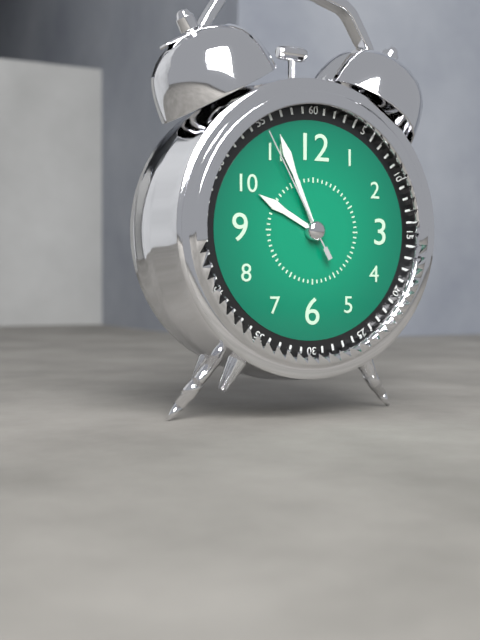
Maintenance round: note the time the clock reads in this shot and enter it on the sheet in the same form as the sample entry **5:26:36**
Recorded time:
**9:56:55**
